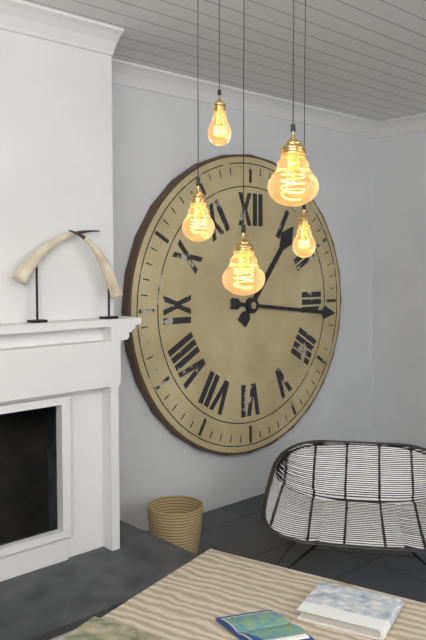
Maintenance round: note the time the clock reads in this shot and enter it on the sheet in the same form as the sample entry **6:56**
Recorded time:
**1:16**
